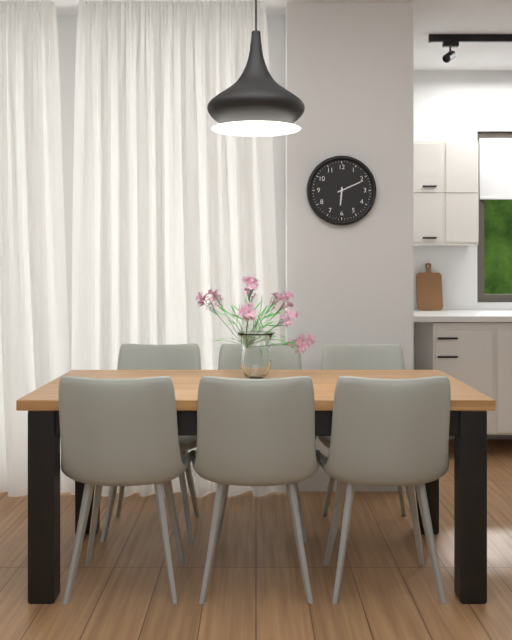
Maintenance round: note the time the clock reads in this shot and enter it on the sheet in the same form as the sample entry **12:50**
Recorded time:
**6:11**
